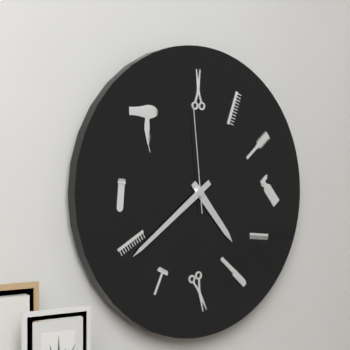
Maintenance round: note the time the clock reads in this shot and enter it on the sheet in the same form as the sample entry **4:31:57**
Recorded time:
**4:39:59**
